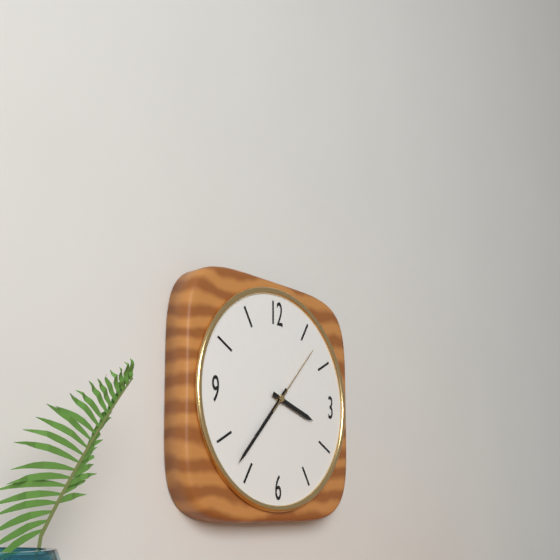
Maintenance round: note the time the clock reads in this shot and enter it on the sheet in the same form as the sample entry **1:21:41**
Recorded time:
**3:37:07**
